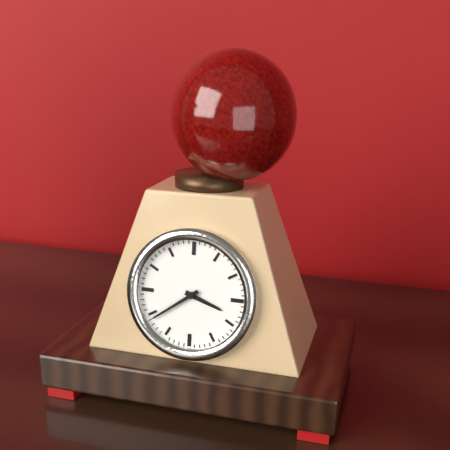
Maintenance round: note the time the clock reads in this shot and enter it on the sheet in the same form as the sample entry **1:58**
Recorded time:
**3:39**
